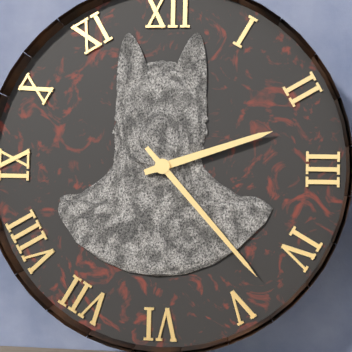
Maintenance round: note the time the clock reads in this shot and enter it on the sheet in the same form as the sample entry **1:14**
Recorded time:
**2:23**
